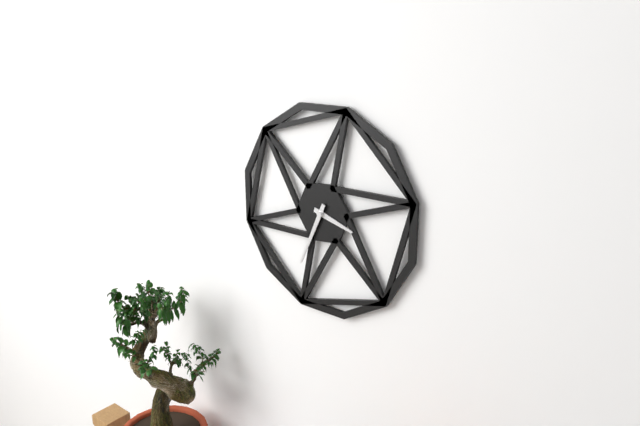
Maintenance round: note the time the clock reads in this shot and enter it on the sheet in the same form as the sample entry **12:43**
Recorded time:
**3:34**
